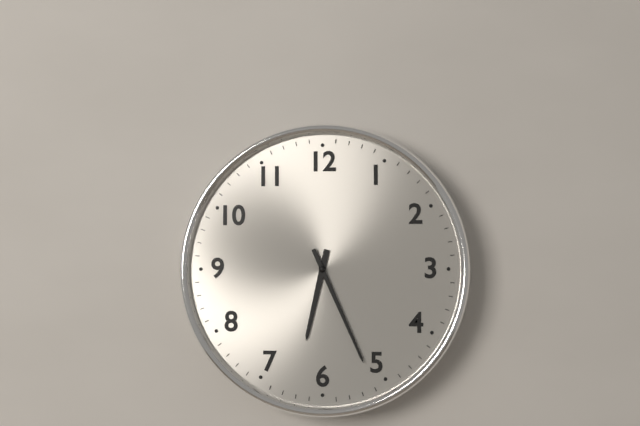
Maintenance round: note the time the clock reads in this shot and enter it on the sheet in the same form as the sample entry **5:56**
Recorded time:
**6:26**
